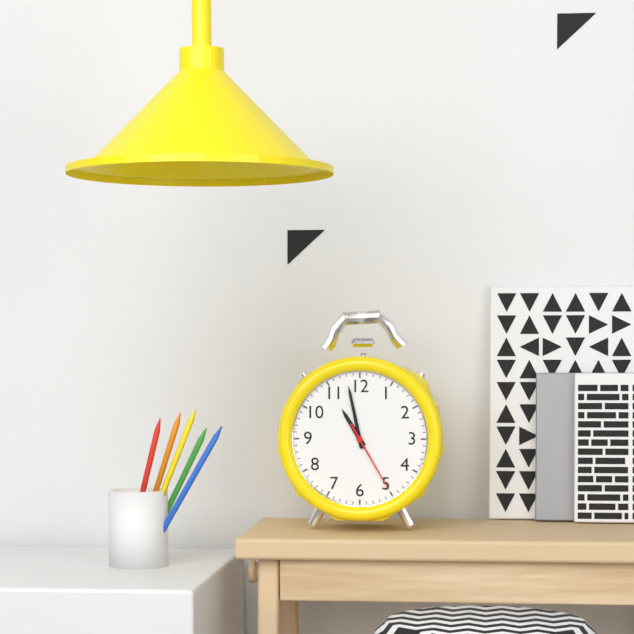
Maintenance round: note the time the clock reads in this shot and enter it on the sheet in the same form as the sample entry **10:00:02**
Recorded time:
**10:58:25**
